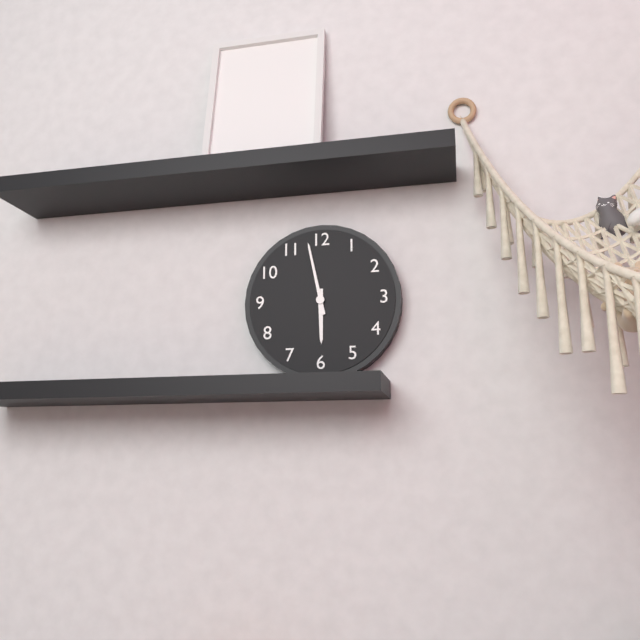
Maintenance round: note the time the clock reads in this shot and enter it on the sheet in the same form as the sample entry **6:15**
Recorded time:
**5:58**
